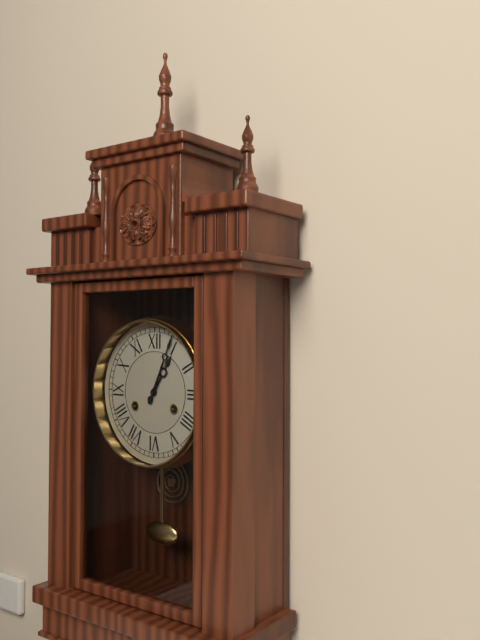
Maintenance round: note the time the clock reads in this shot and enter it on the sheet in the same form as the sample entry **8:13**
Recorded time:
**1:04**
